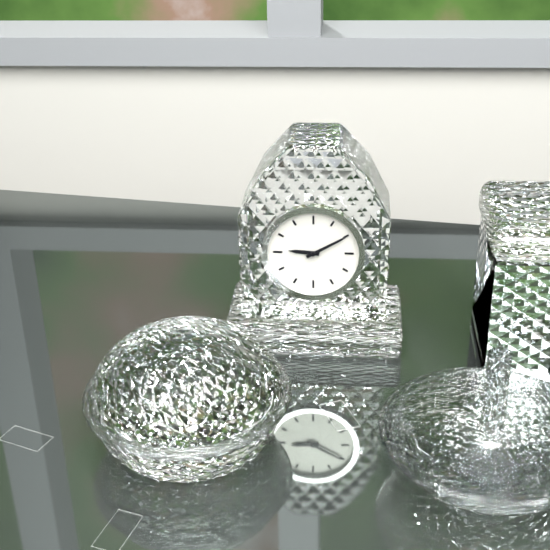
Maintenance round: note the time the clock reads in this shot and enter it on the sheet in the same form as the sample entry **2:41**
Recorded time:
**9:10**
